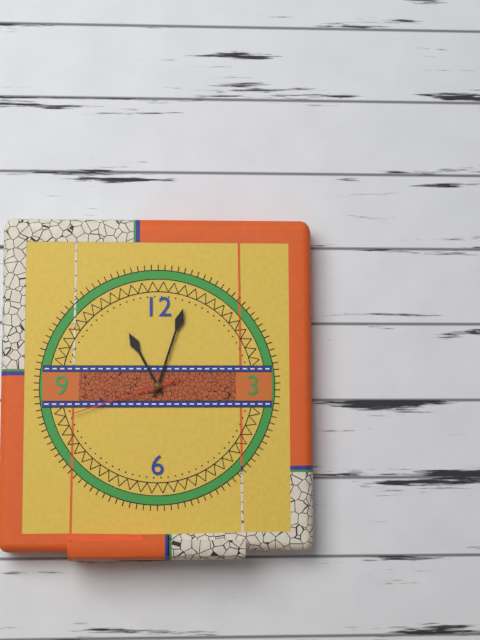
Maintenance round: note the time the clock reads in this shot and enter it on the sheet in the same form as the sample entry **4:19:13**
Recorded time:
**11:03:42**
